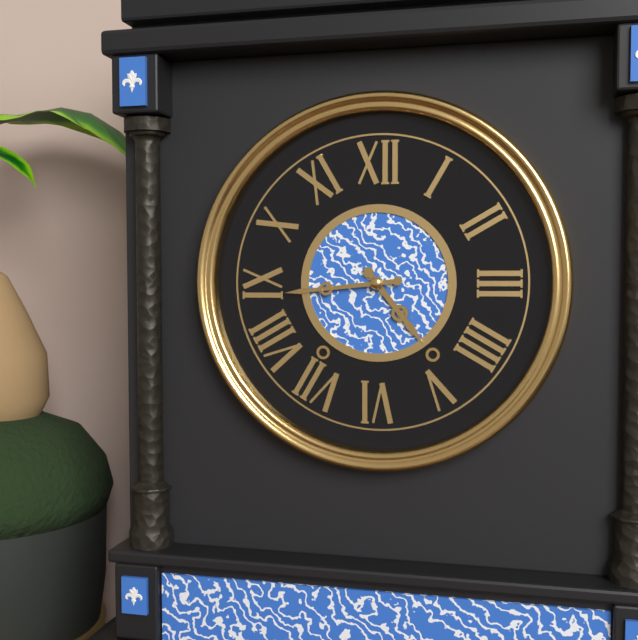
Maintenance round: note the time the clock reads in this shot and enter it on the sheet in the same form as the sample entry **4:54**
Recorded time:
**4:44**
